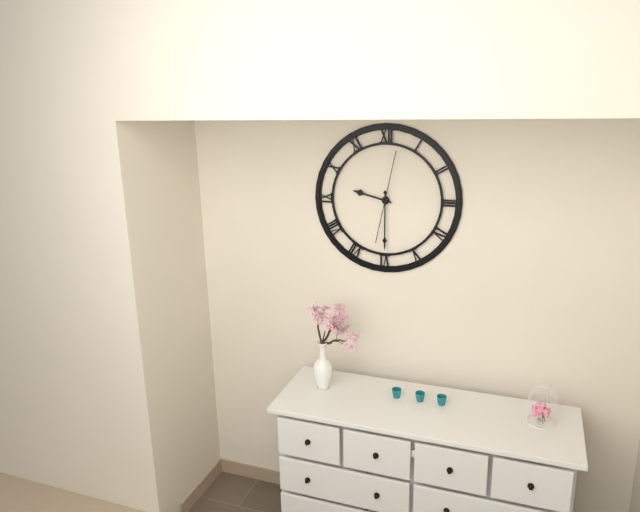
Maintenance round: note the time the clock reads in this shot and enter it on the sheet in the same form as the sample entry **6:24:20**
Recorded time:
**9:30:02**
